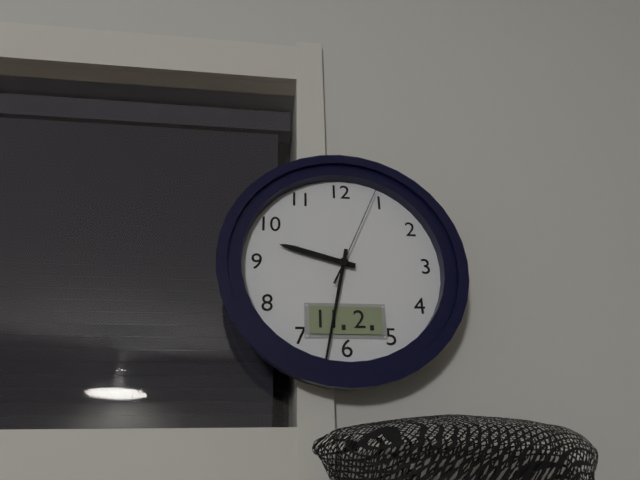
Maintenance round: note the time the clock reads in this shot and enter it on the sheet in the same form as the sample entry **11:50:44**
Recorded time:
**9:32:04**
